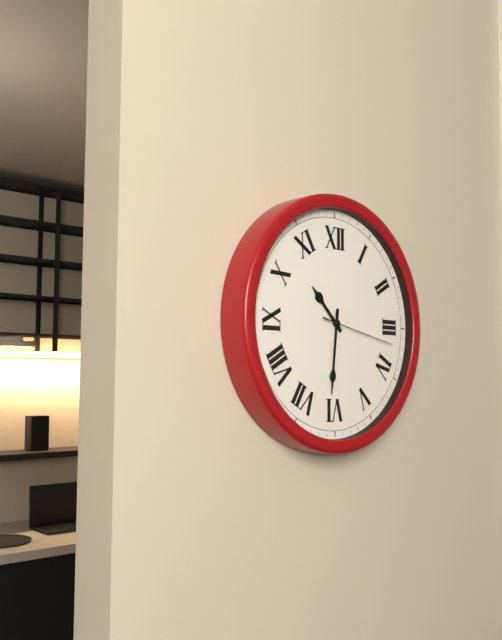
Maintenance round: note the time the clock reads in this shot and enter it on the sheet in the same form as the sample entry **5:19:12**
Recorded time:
**10:31:17**
